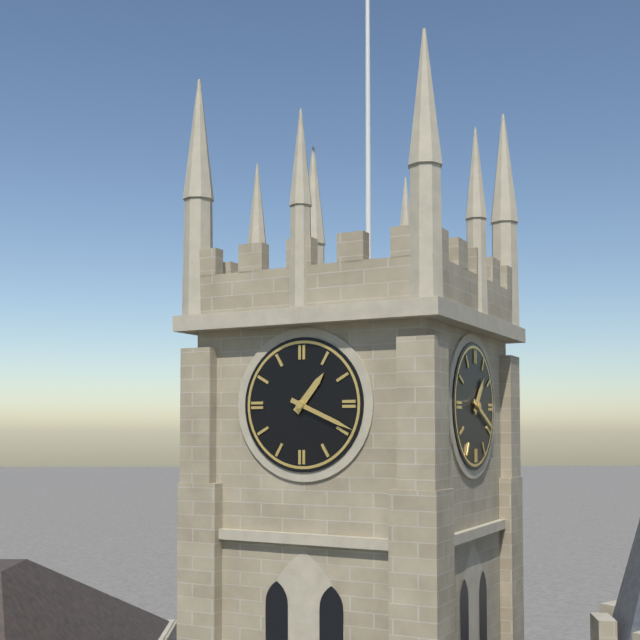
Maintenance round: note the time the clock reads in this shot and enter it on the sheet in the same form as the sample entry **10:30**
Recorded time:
**1:19**
